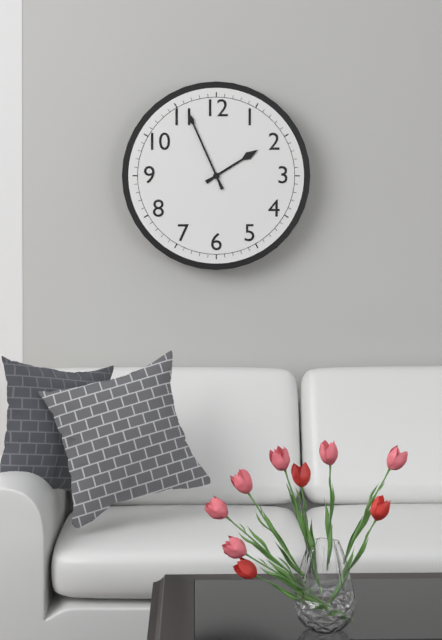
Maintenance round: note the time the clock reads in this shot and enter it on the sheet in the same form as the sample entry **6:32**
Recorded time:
**1:56**
